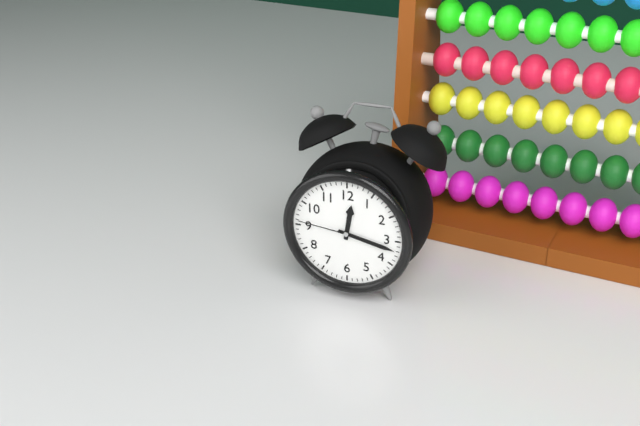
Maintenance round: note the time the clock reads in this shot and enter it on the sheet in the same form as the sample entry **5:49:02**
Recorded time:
**12:17:46**
